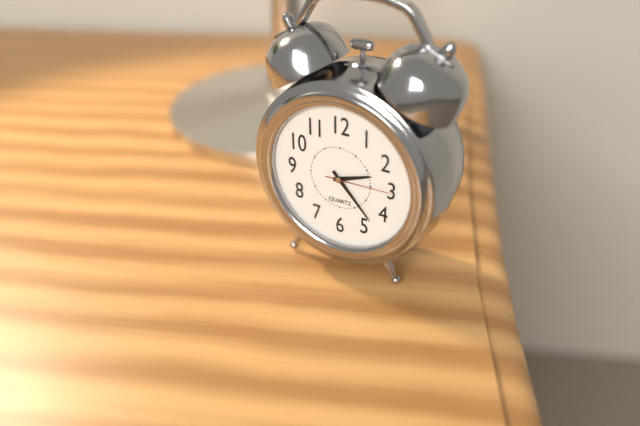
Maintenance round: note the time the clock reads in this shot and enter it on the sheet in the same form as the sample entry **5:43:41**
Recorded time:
**2:23:15**
